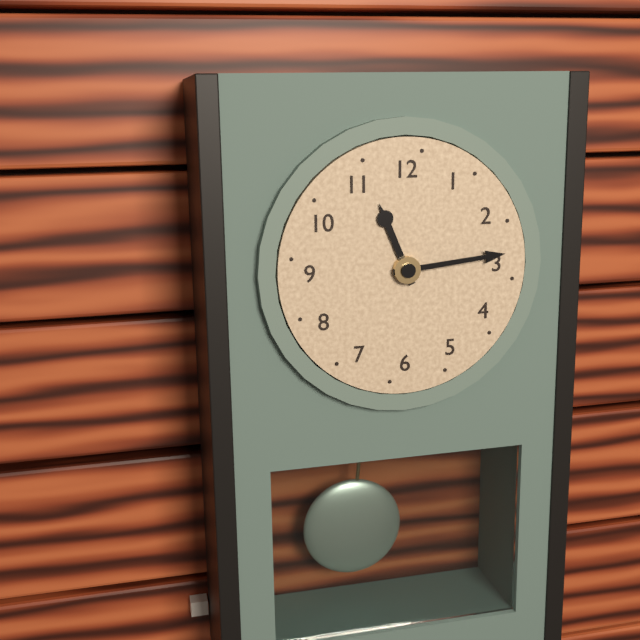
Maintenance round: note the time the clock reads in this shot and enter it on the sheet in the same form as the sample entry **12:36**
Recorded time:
**11:14**
